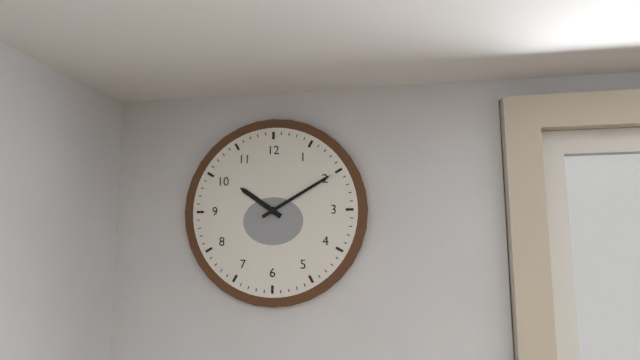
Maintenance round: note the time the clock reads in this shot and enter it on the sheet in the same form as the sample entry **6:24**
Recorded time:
**10:10**
